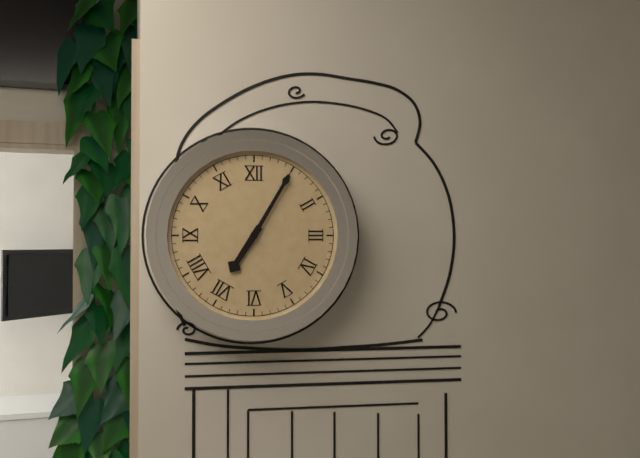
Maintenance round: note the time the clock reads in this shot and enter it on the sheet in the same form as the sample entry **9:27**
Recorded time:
**7:05**
